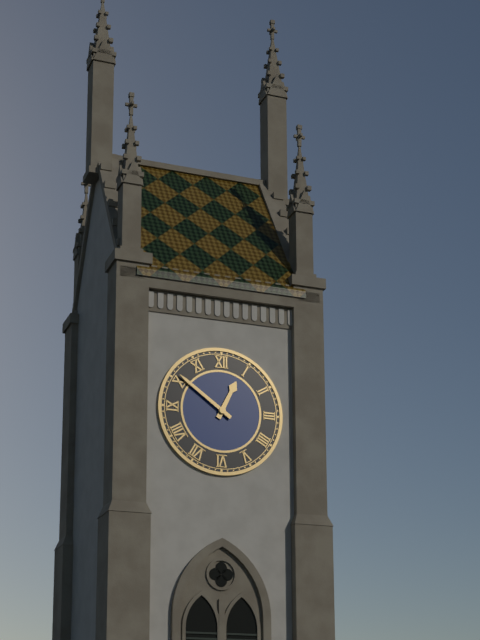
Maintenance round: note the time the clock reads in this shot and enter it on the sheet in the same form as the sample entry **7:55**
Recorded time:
**12:51**
